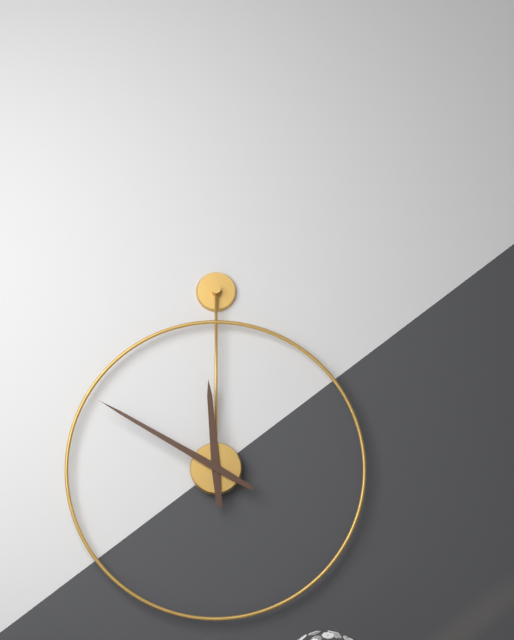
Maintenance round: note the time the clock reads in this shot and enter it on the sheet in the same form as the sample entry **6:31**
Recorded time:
**11:50**
